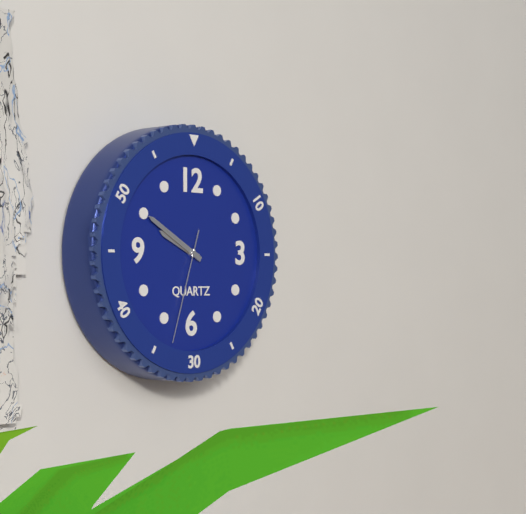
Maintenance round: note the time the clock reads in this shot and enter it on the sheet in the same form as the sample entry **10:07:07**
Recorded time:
**9:50:33**
